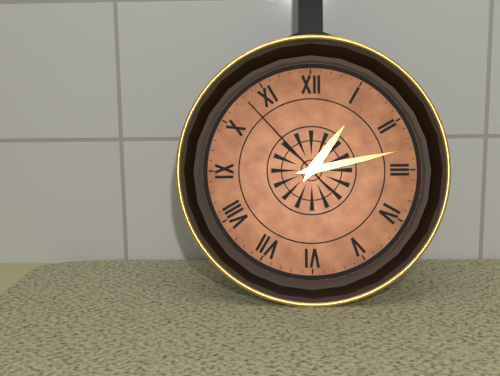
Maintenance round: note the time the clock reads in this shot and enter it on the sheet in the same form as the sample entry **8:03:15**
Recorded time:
**1:13:53**
